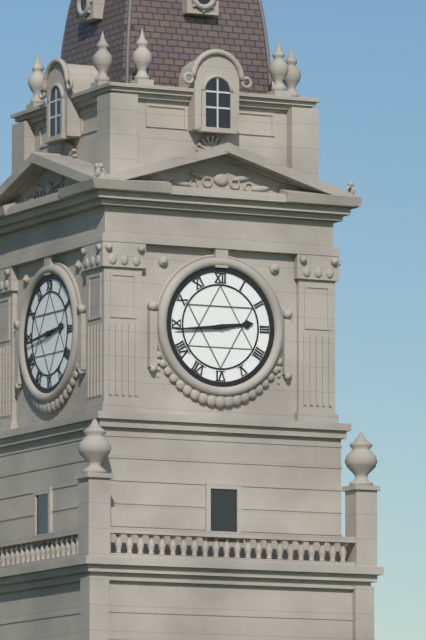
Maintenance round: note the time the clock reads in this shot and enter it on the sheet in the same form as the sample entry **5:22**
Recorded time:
**2:44**
